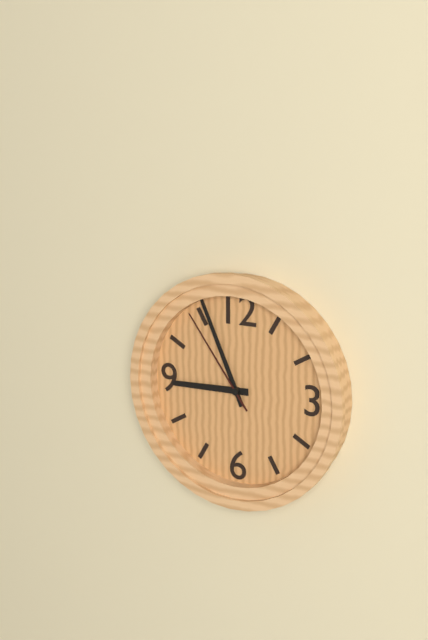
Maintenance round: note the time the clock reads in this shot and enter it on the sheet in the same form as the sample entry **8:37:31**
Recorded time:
**8:56:54**
